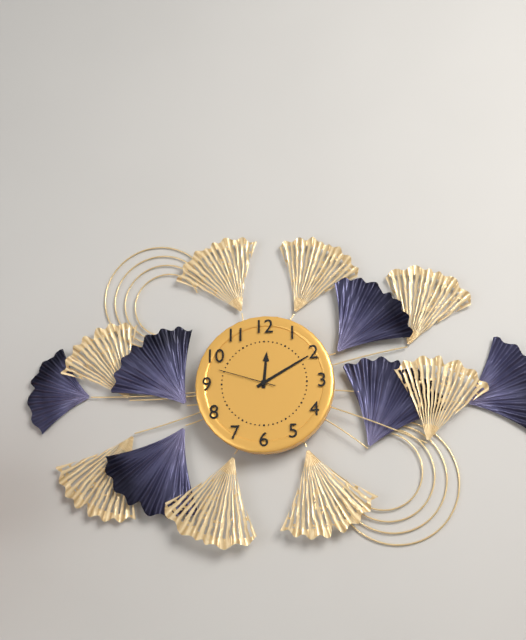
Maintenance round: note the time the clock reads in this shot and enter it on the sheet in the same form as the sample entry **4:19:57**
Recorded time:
**12:10:48**
